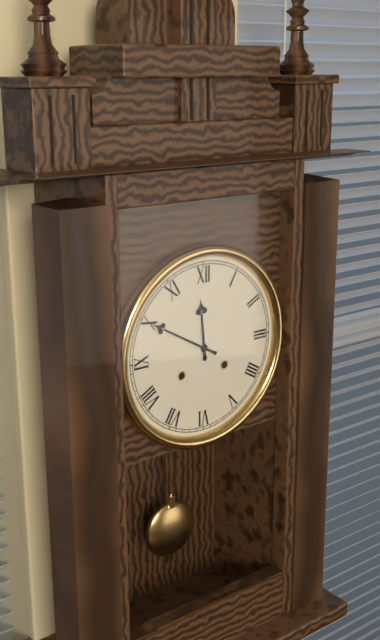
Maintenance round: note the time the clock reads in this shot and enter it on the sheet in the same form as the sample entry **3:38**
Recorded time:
**11:50**
